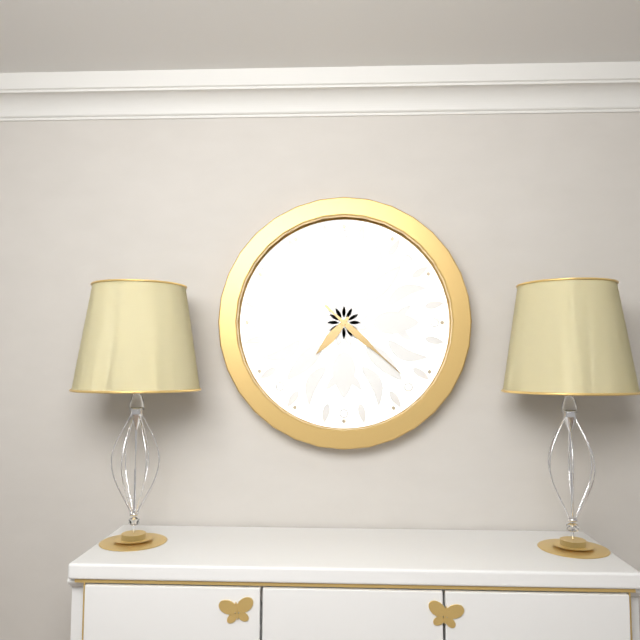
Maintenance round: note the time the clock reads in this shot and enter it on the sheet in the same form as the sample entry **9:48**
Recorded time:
**7:22**
